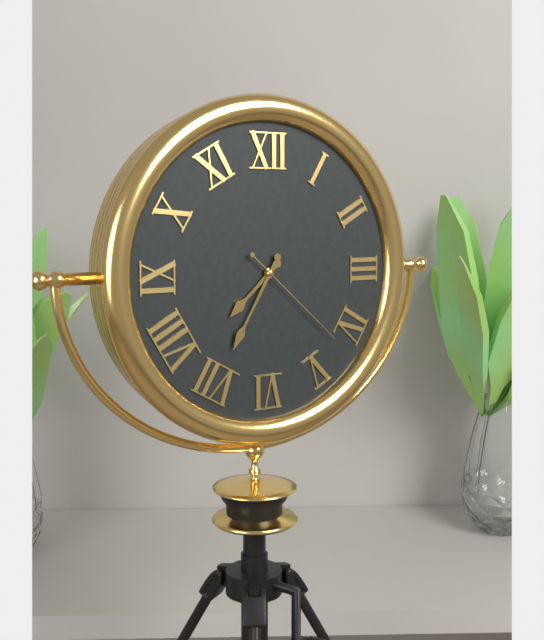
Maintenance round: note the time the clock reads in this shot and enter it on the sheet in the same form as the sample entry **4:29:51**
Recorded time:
**7:35:22**
